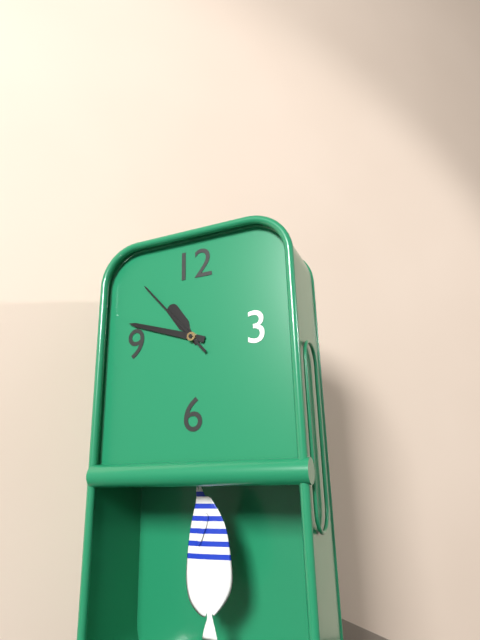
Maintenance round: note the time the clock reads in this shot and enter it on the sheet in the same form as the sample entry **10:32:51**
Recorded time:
**10:48:53**
